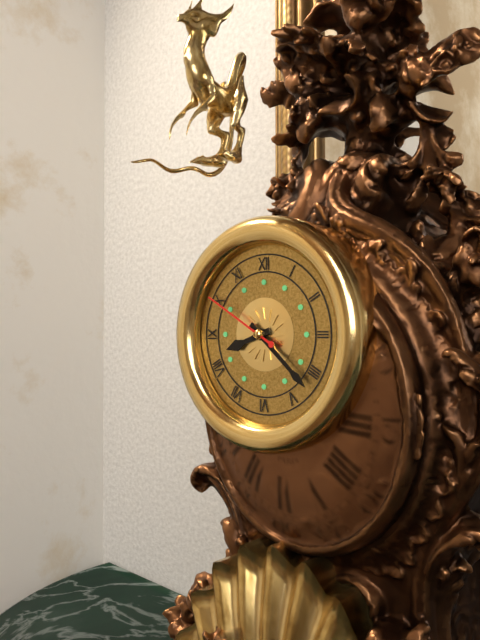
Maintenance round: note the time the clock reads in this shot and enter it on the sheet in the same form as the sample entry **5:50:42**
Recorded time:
**8:22:50**
